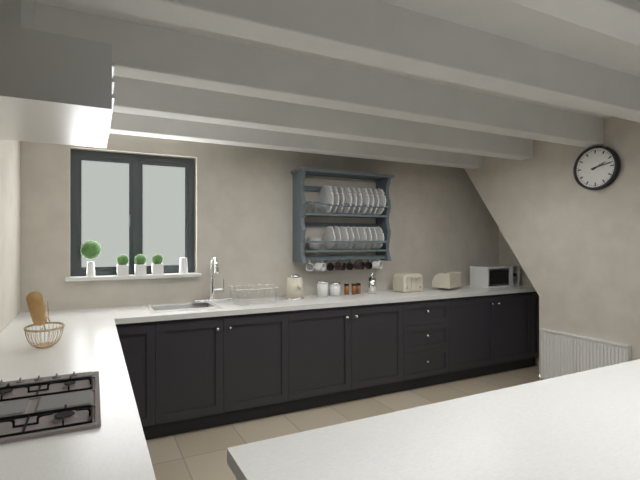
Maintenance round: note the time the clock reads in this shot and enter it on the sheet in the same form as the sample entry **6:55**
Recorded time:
**2:13**
